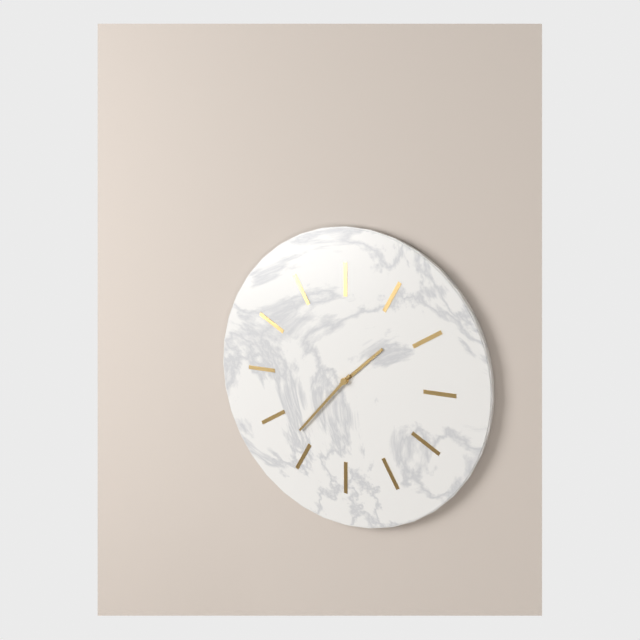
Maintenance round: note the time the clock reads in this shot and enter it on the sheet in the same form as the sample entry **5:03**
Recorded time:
**1:37**
